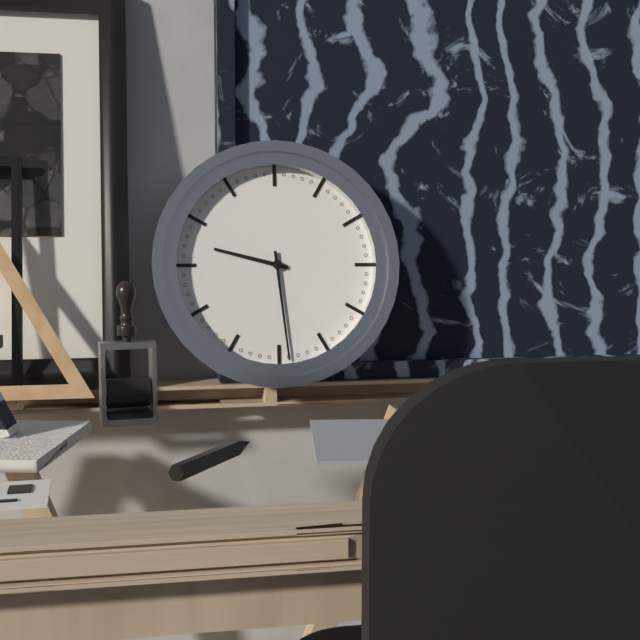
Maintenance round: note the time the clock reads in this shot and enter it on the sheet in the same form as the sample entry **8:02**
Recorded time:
**9:29**
